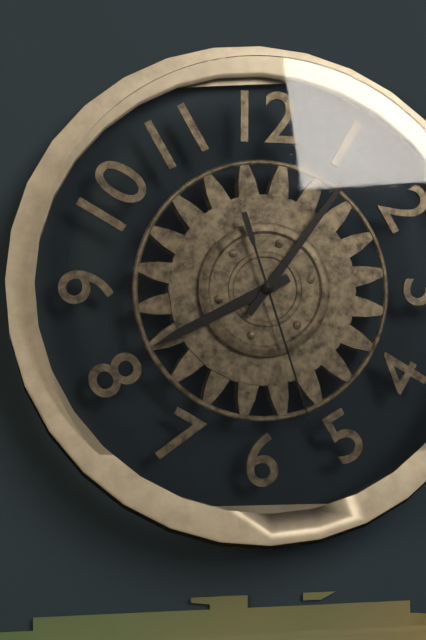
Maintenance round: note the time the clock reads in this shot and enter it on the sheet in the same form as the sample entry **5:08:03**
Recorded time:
**8:06:27**
